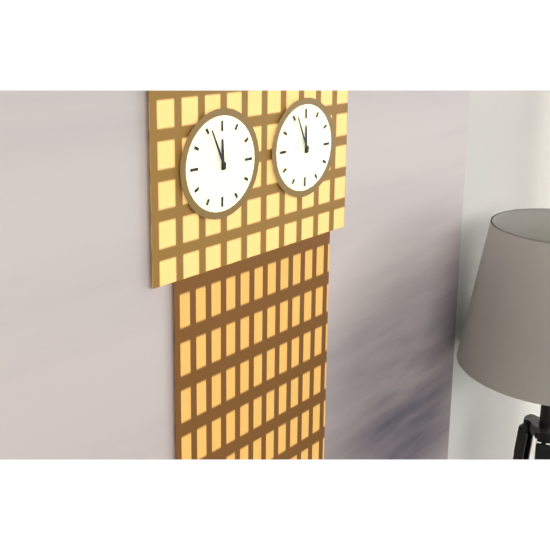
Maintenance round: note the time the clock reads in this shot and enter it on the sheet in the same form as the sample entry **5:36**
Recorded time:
**11:56**
